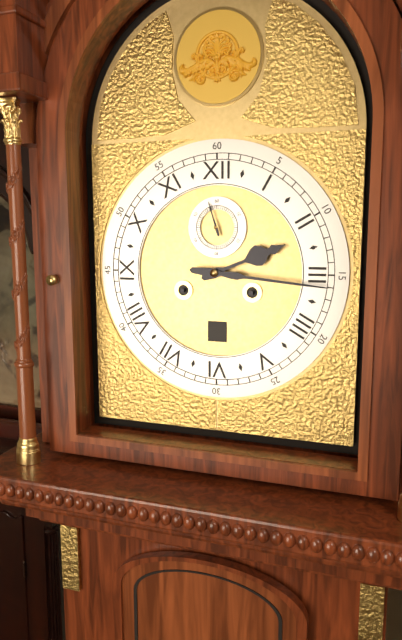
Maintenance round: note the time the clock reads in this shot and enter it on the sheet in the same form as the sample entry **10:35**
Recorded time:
**2:16**
